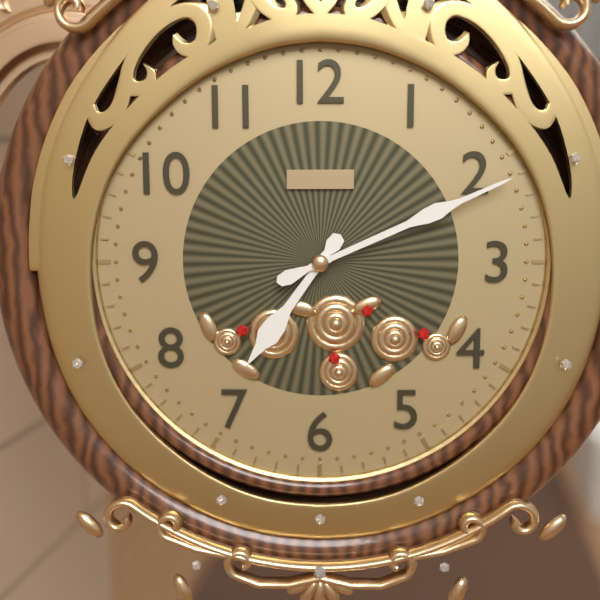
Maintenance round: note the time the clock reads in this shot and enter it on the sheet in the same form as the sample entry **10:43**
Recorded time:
**7:11**
